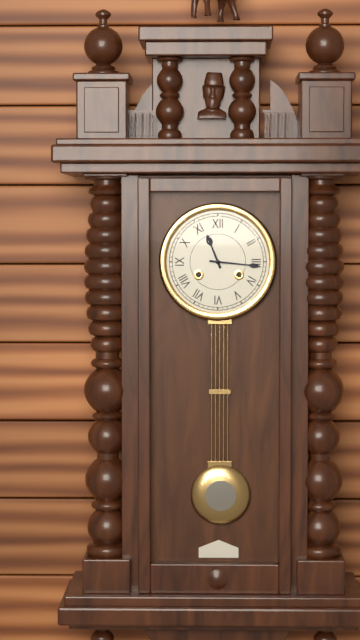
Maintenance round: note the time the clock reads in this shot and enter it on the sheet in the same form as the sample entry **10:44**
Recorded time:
**11:16**
